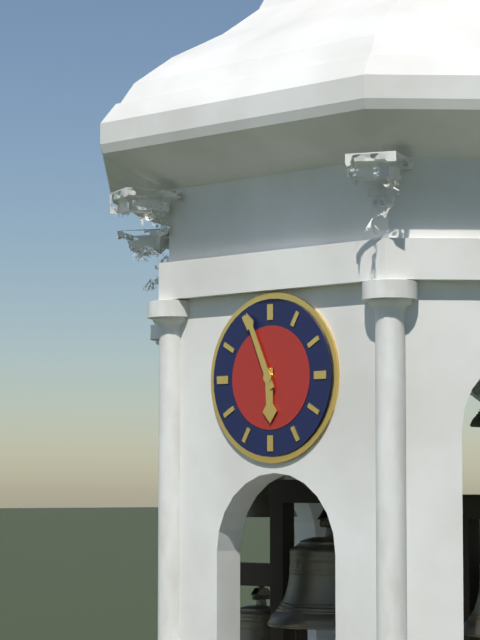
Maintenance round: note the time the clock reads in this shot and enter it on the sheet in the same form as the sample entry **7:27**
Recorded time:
**5:56**
